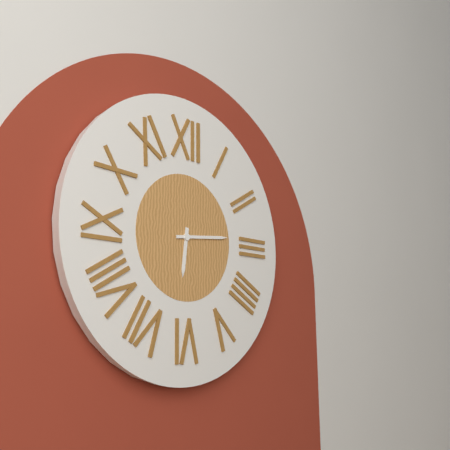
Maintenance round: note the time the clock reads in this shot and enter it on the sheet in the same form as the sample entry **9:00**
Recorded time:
**6:14**
